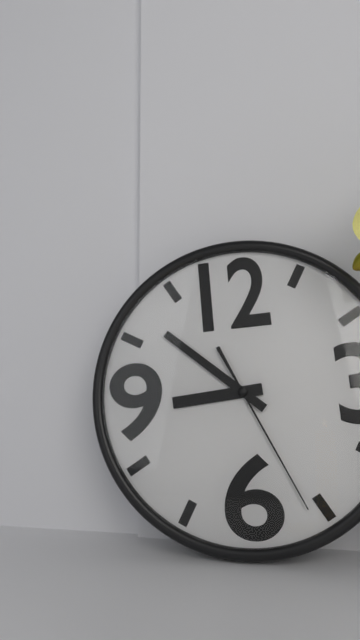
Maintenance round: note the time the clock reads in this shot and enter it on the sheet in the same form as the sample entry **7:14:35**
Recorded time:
**8:52:26**
